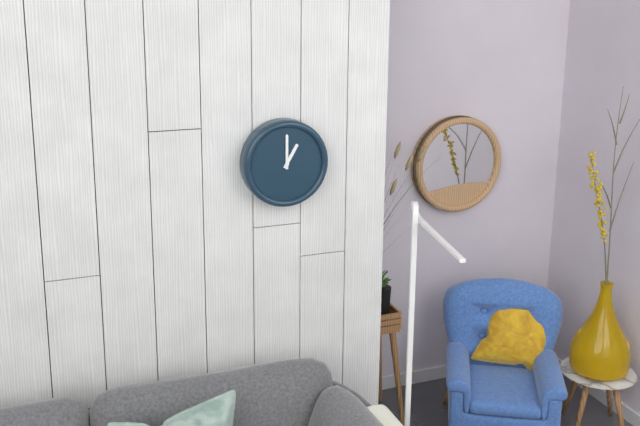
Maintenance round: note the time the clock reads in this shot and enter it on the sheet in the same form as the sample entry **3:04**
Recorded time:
**1:00**
